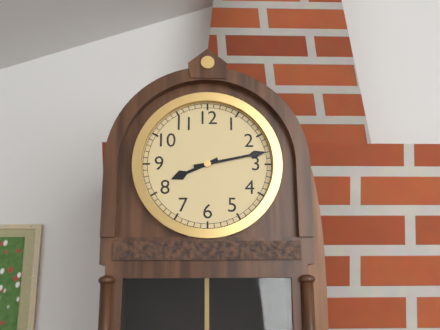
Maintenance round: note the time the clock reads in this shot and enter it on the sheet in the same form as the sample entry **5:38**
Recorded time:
**8:13**
